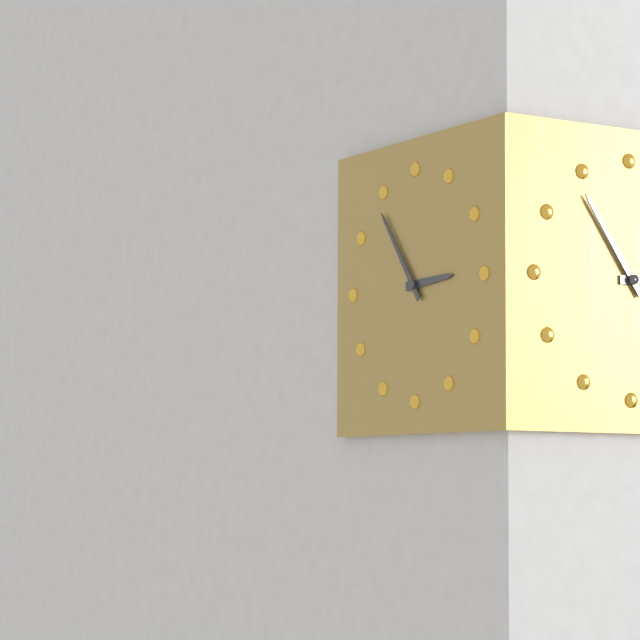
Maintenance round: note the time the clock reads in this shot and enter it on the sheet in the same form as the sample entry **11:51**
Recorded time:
**2:54**
